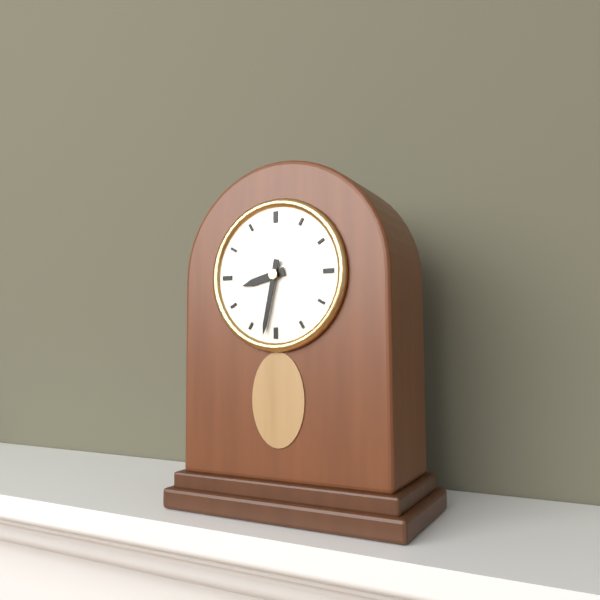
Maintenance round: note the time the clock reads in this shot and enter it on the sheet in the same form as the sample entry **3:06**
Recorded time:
**8:32**
